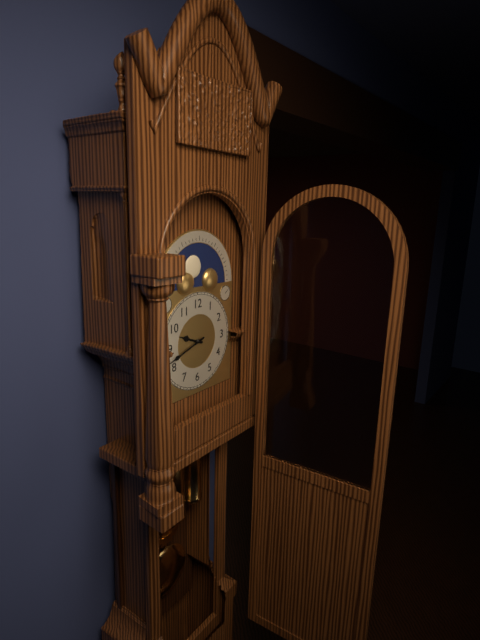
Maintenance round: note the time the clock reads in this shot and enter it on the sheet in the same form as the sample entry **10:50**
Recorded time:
**9:42**
